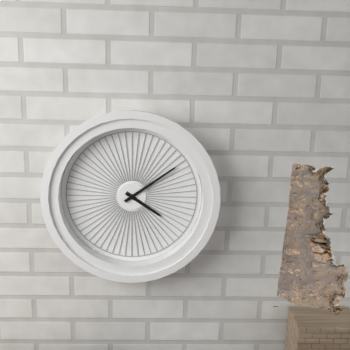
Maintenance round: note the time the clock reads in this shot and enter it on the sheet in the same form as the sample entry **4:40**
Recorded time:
**4:09**
